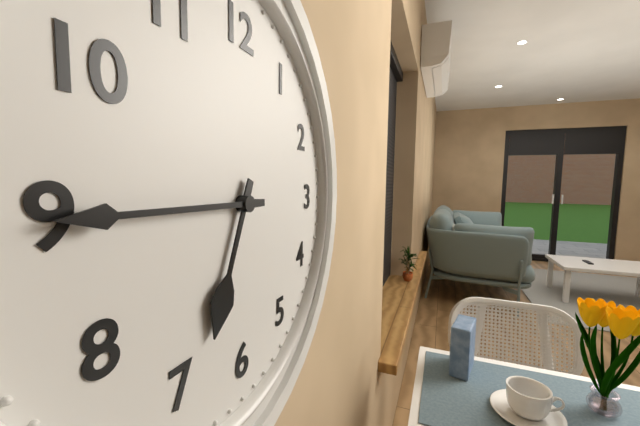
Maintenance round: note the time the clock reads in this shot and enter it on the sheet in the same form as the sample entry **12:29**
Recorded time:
**6:45**
